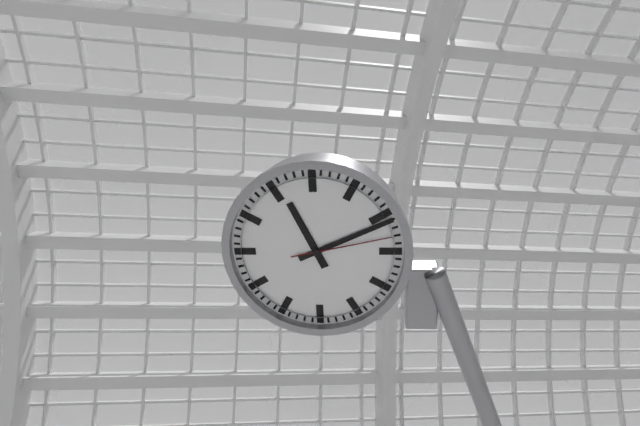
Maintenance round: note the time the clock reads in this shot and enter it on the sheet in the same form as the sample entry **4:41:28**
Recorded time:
**11:11:13**
